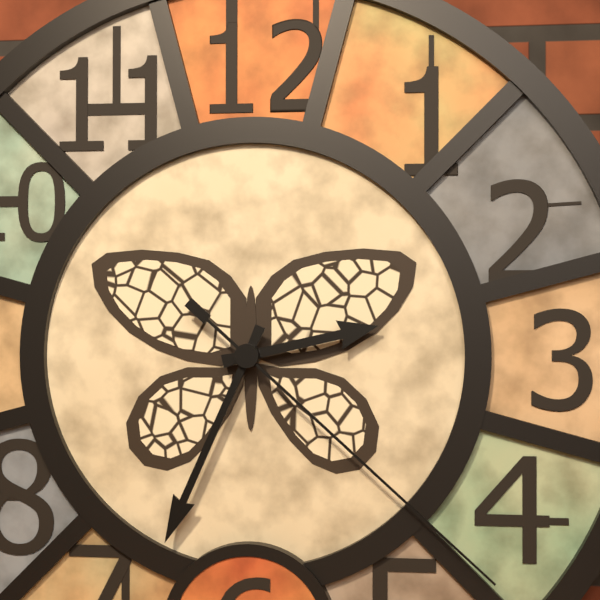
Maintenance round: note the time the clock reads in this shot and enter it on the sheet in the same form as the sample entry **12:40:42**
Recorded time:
**2:34:22**
